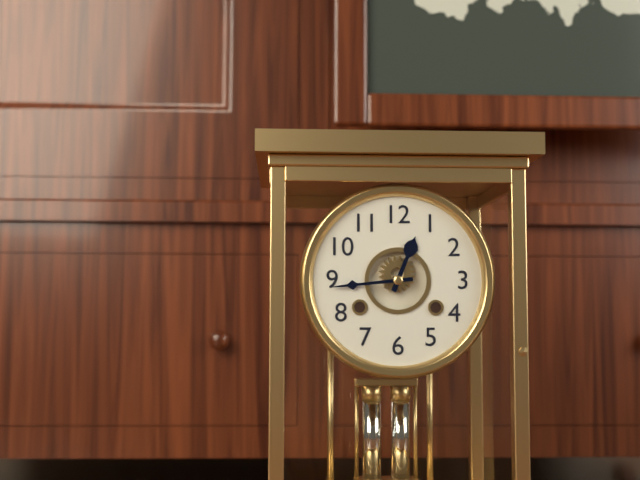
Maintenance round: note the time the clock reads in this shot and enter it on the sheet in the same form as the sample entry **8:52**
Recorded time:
**12:44**
